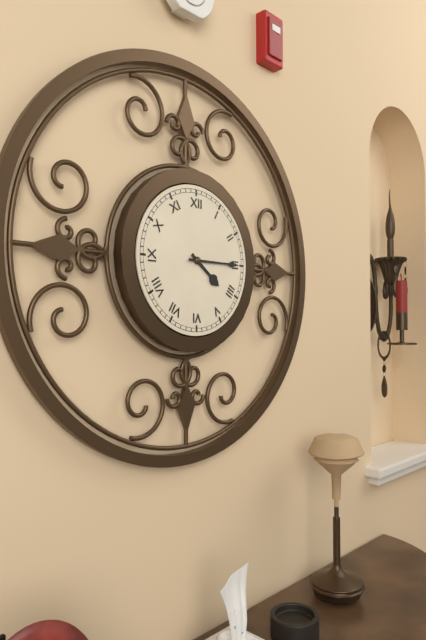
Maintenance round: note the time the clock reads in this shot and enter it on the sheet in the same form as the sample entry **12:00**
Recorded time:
**4:15**
